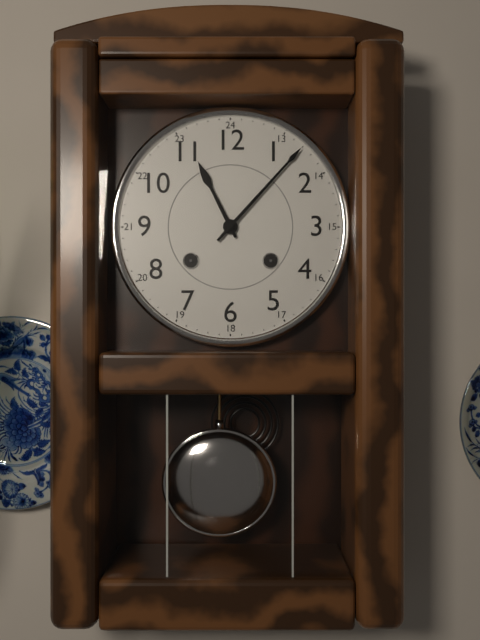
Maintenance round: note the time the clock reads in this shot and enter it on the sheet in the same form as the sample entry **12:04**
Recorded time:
**11:07**
